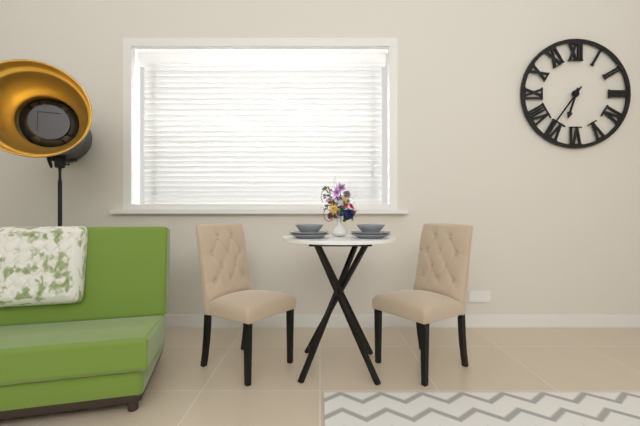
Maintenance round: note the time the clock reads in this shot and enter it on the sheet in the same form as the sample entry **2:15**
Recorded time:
**6:36**
